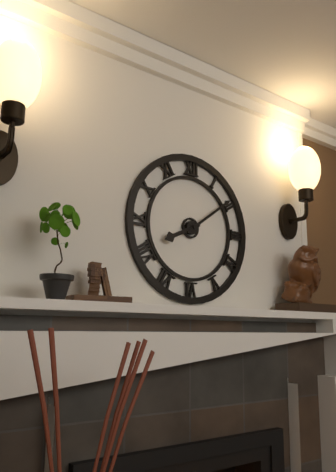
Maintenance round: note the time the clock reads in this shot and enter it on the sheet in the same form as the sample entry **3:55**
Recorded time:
**8:09**
